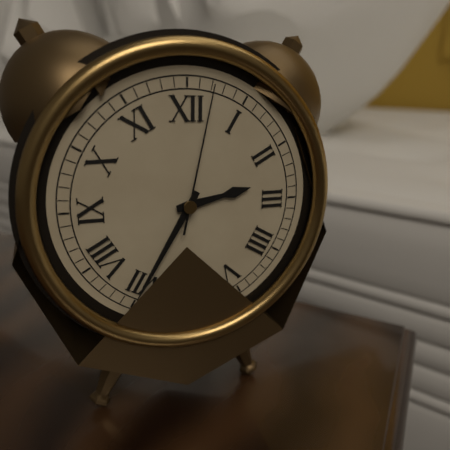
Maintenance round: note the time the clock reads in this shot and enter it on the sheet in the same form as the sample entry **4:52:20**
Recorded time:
**2:35:02**
